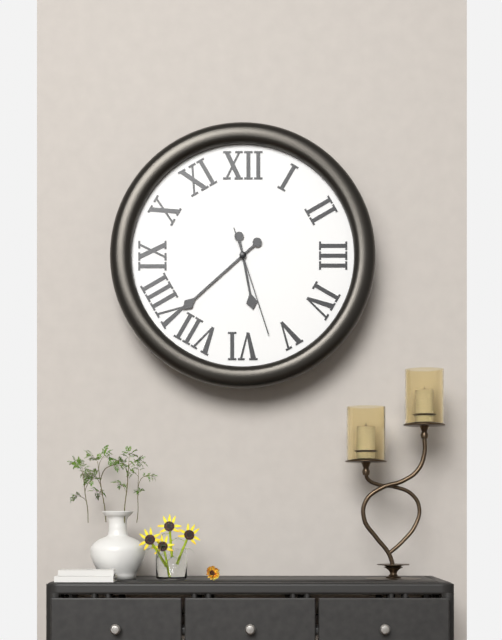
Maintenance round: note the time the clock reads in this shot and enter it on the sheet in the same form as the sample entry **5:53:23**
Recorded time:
**5:38:27**
